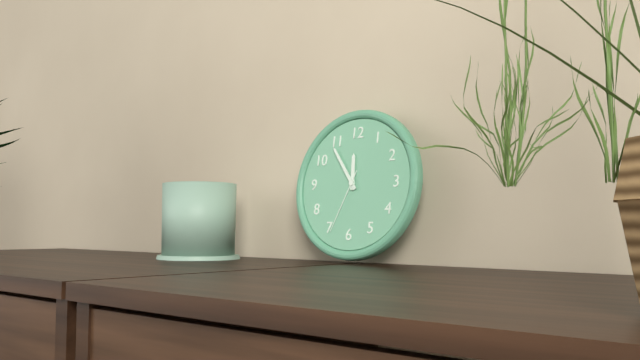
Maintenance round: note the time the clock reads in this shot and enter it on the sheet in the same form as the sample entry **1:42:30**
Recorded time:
**11:54:34**
